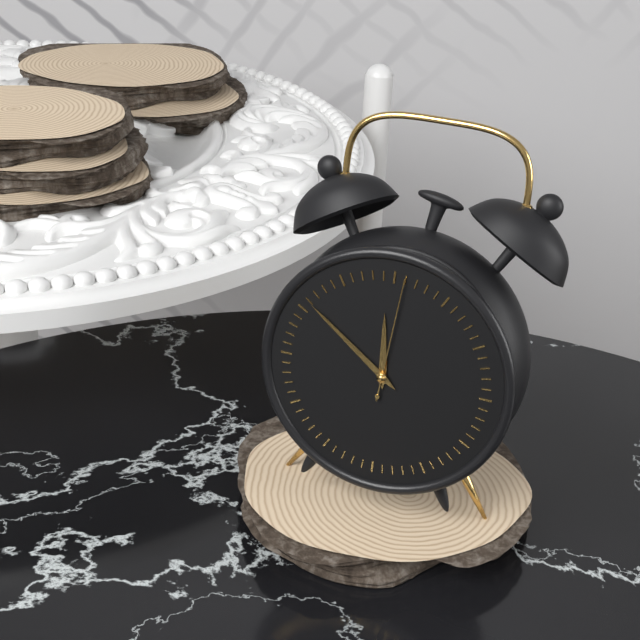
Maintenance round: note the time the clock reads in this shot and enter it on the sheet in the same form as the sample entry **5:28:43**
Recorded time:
**11:51:01**
